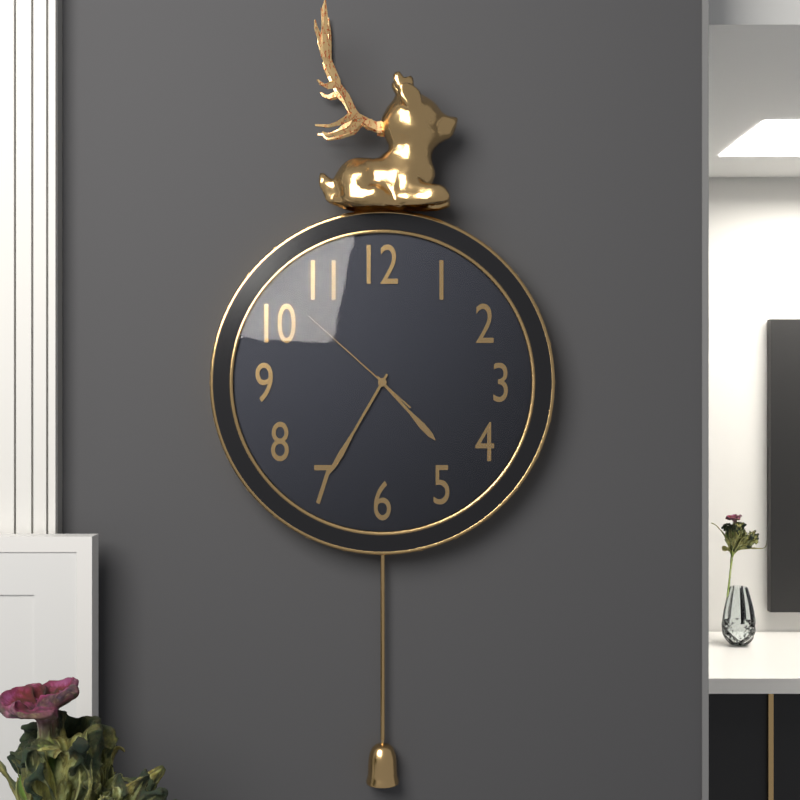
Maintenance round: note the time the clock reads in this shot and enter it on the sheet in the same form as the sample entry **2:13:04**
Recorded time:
**4:35:52**
